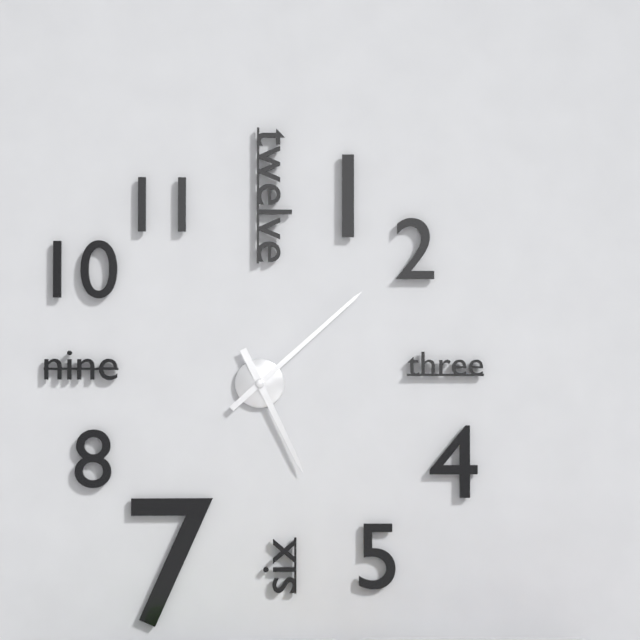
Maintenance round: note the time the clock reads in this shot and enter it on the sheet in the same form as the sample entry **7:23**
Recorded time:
**5:08**
